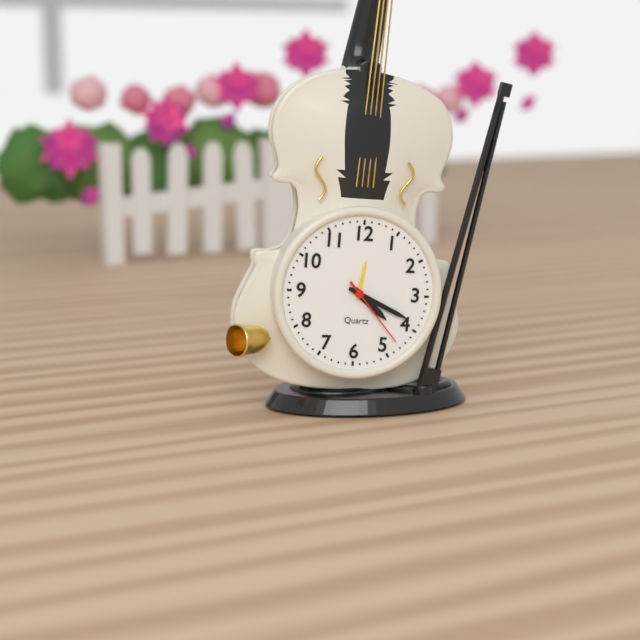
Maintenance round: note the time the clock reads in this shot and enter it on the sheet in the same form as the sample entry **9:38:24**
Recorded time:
**4:19:23**
